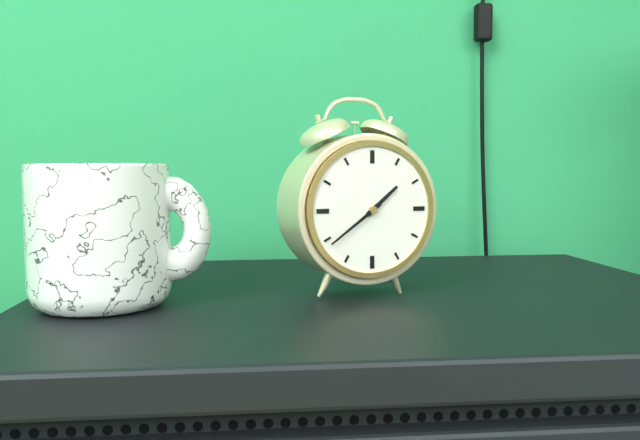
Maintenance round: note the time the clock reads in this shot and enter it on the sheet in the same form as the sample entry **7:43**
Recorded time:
**1:39**
